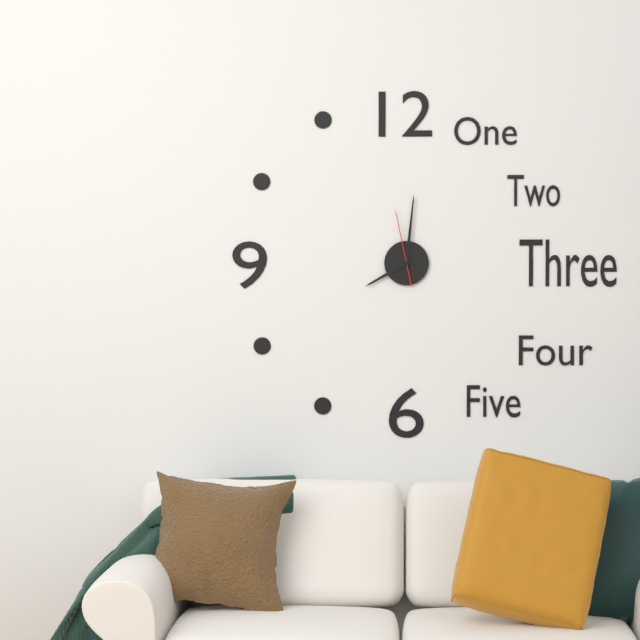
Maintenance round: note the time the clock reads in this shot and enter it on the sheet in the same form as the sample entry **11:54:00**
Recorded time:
**8:01:58**
